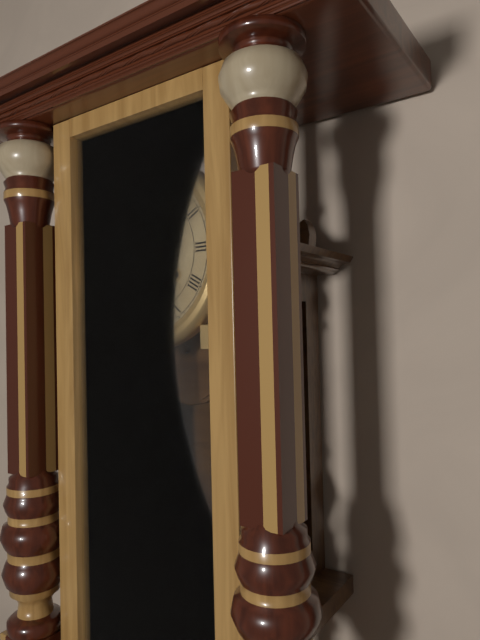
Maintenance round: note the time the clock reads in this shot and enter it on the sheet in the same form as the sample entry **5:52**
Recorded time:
**4:59**
